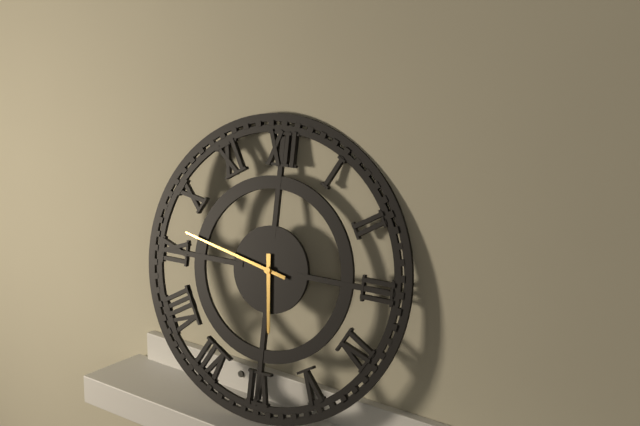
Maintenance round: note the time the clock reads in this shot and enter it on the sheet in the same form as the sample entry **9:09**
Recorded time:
**5:47**
